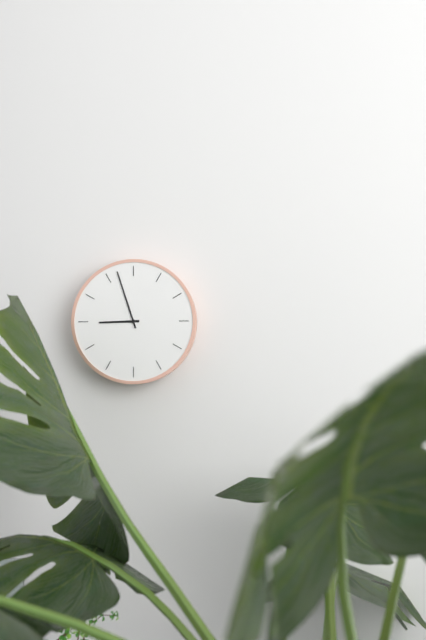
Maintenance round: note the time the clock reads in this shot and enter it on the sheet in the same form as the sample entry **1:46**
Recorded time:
**8:57**
